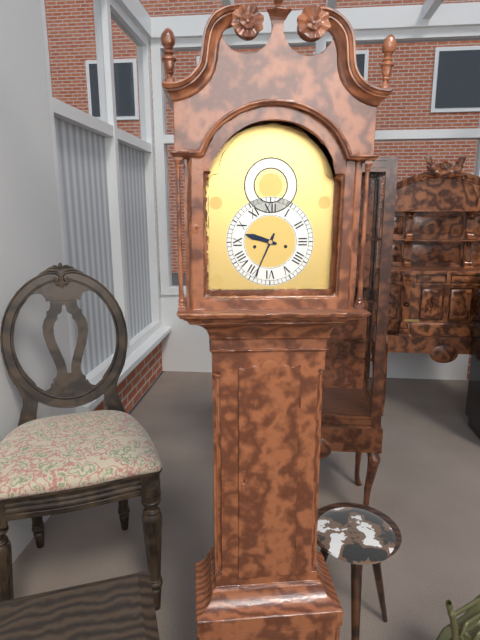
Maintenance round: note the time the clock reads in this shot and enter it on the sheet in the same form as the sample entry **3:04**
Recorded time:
**9:34**
